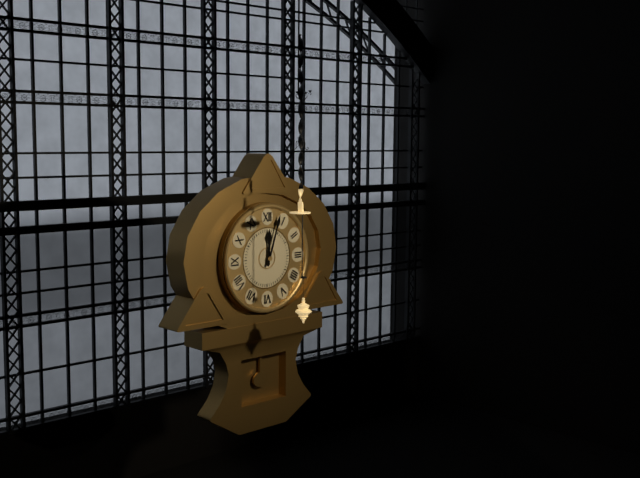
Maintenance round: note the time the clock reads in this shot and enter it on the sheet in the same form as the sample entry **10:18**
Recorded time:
**12:03**
